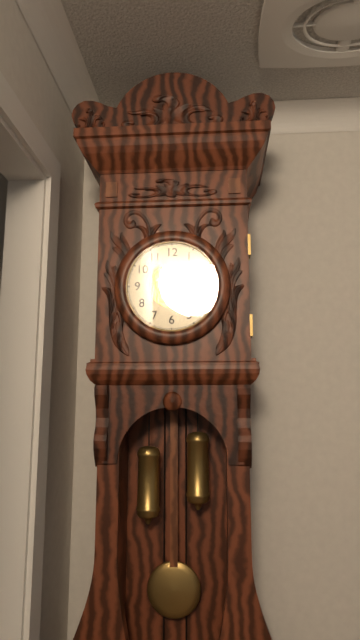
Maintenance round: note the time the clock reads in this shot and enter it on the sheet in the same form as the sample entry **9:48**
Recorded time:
**5:22**
